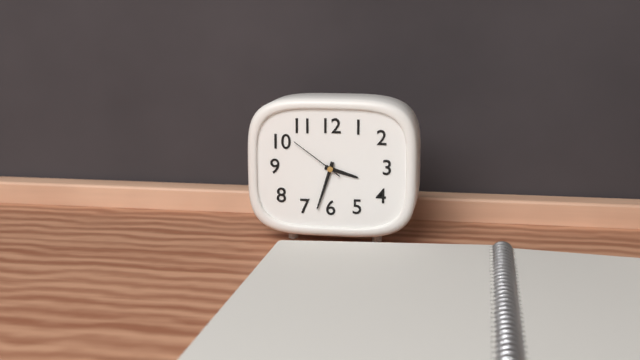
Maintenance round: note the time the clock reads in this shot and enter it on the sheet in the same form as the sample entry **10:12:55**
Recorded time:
**3:33:51**
